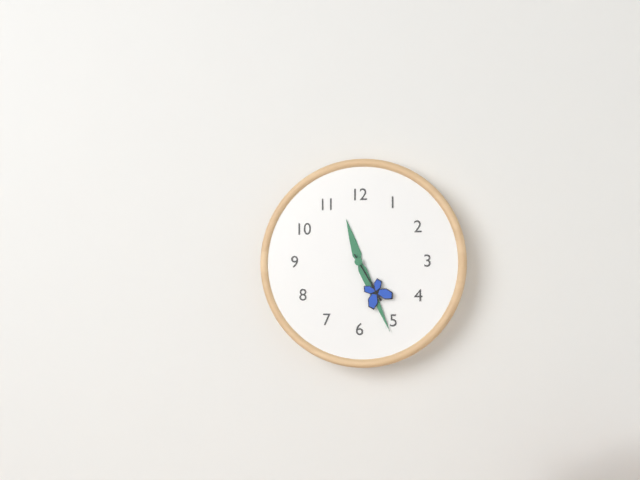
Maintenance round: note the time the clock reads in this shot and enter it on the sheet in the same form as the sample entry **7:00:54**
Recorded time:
**11:26:25**
